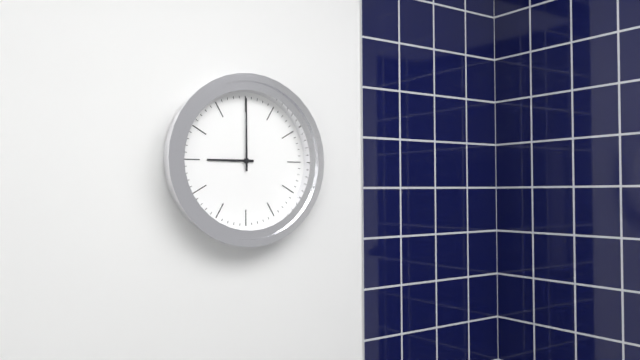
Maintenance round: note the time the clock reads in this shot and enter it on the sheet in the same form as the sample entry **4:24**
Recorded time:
**9:00**
